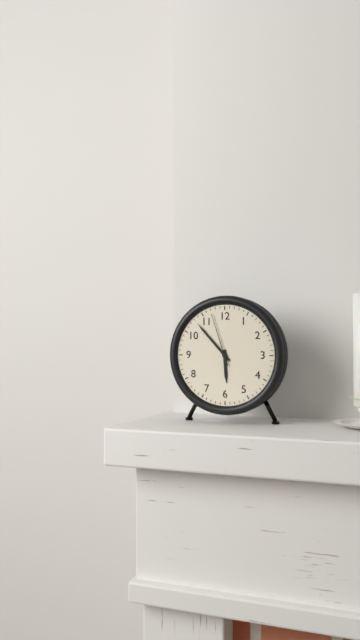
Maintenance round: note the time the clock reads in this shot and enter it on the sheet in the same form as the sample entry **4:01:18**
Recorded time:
**5:53:57**
